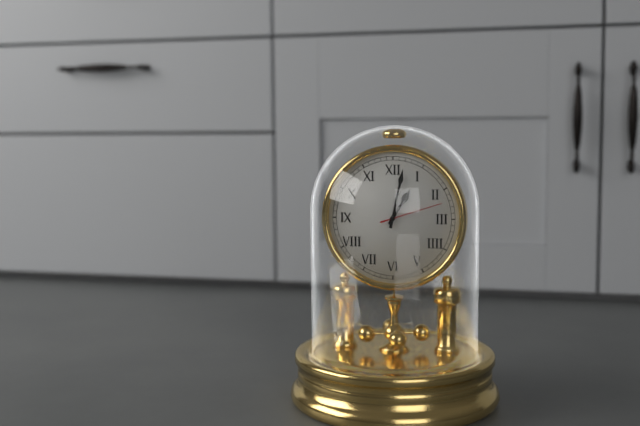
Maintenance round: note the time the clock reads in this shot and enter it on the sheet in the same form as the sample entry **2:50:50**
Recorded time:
**1:02:12**
